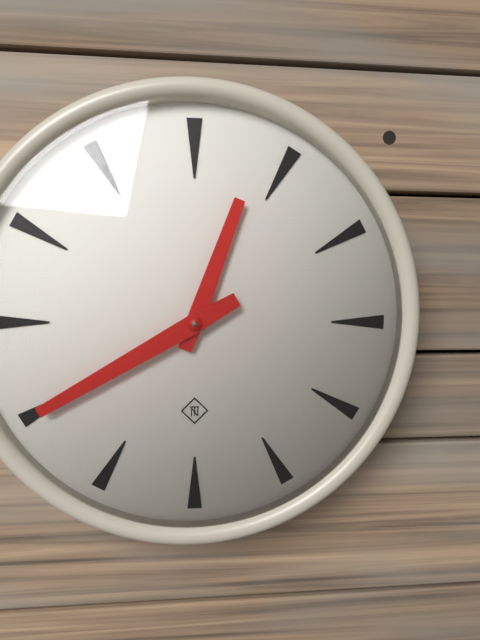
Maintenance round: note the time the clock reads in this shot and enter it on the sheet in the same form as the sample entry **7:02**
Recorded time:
**12:40**
